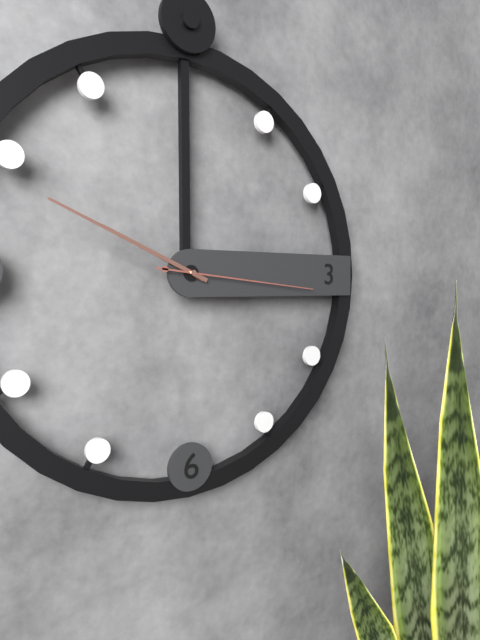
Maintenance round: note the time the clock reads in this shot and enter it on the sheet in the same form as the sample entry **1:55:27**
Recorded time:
**9:49:16**
